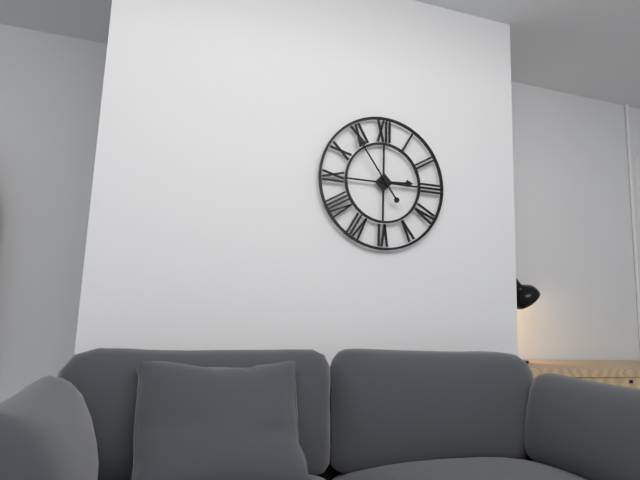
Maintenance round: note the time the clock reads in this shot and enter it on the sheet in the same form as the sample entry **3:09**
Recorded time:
**2:54**
